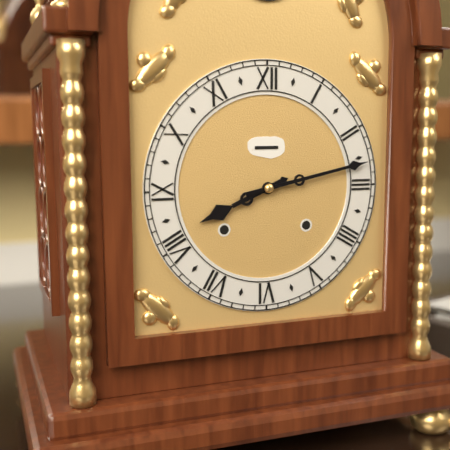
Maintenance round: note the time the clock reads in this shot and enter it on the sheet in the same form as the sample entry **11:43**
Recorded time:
**8:13**
